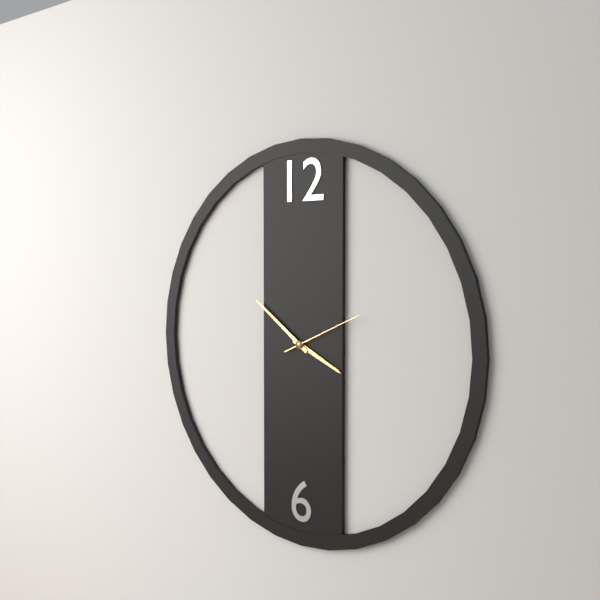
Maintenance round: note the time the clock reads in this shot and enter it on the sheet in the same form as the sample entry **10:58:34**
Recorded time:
**3:51:11**
